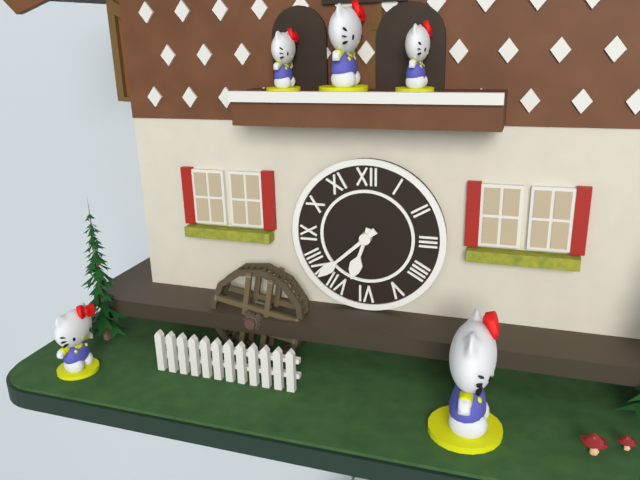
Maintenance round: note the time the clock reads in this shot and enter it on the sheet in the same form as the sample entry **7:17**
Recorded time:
**6:38**
